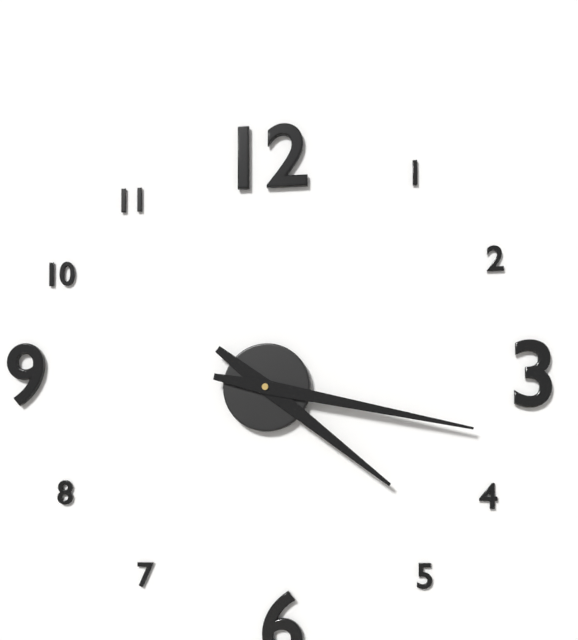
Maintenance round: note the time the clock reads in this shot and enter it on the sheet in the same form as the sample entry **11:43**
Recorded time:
**4:17**
